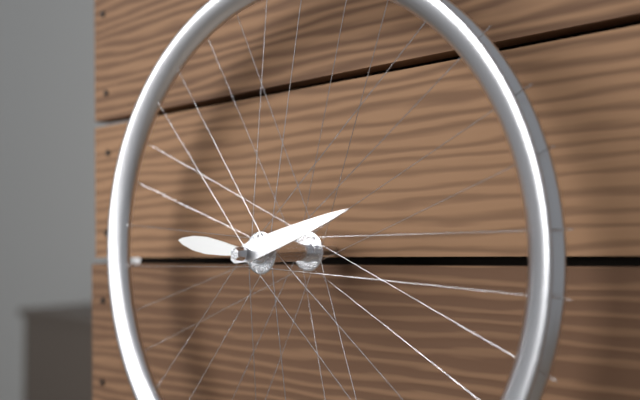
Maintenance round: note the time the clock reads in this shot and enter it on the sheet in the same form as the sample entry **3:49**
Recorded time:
**9:12**
